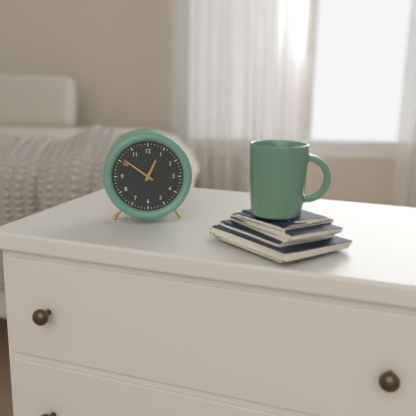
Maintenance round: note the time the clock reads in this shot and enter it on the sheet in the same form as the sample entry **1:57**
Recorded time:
**12:51**
